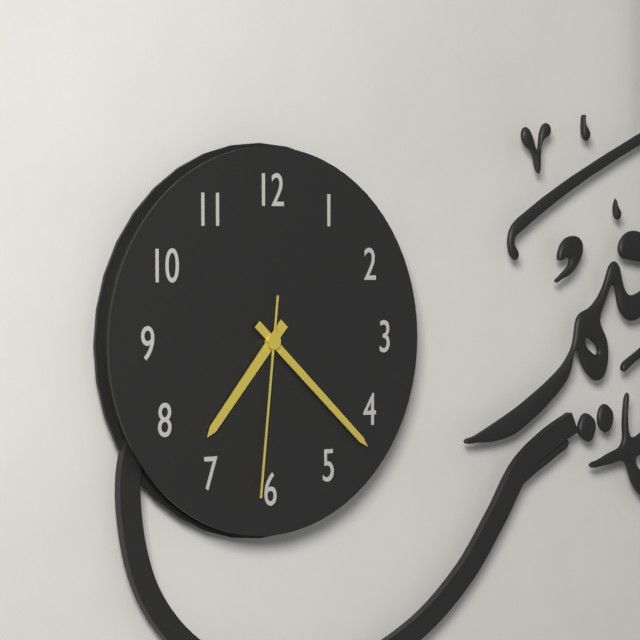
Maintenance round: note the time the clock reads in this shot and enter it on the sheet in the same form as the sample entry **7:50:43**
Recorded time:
**7:22:31**
